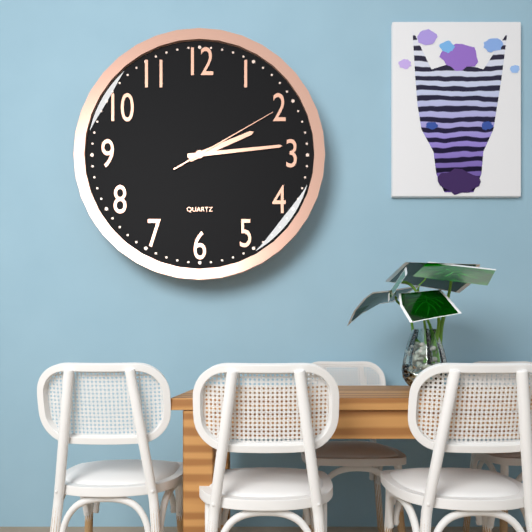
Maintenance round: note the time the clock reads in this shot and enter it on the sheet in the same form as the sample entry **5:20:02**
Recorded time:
**2:14:10**
